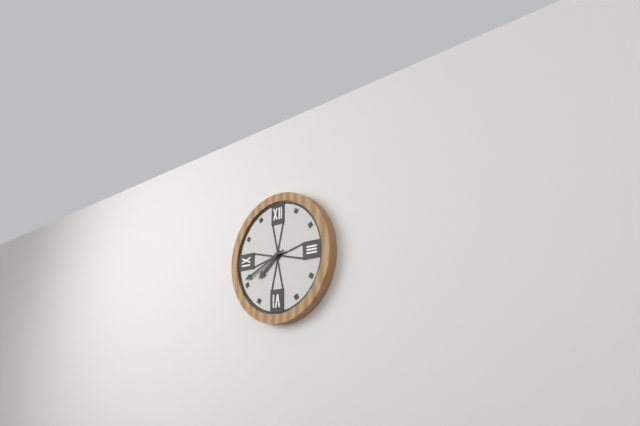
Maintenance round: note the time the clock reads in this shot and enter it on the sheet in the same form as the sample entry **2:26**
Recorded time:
**7:41**
